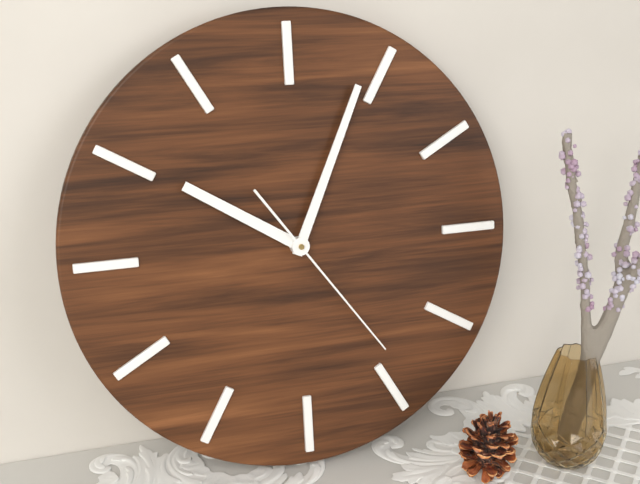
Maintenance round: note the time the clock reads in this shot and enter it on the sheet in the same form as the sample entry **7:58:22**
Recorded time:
**10:04:24**
